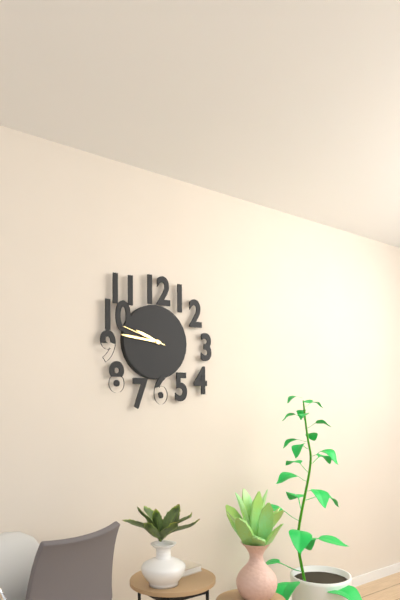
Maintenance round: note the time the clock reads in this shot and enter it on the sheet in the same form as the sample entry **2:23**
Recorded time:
**9:46**
